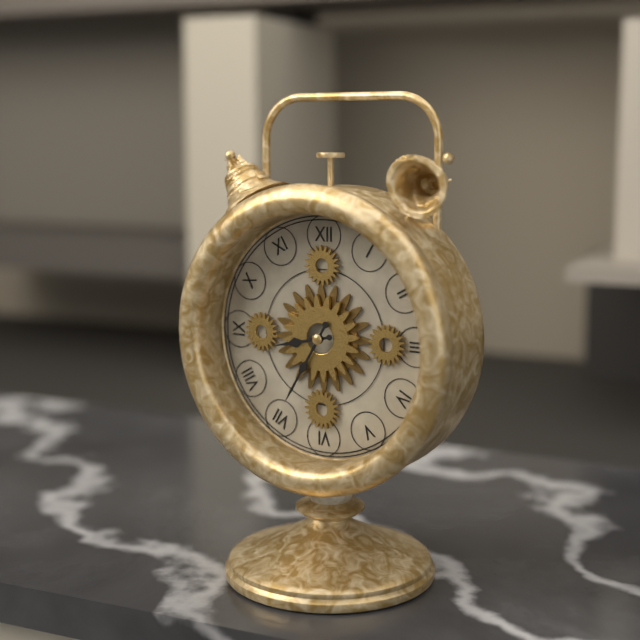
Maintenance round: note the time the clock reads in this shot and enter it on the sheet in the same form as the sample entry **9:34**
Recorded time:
**8:35**
